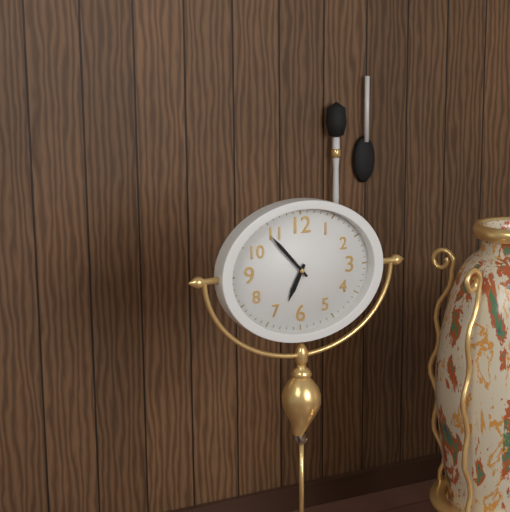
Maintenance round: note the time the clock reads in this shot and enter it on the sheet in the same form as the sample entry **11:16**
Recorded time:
**6:53**
